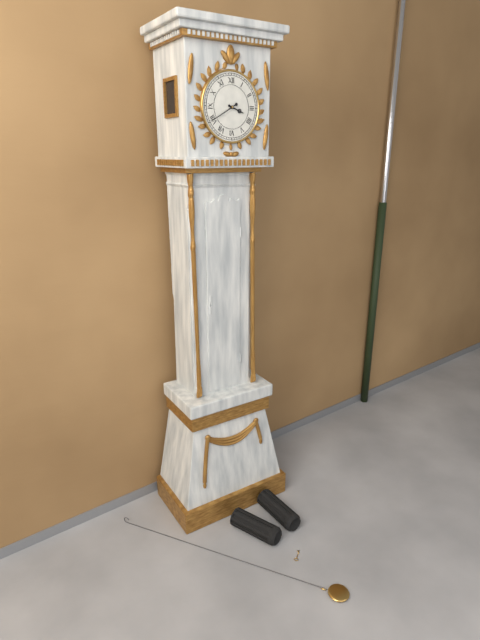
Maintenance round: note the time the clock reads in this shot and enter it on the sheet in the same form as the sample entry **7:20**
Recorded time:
**3:40**
